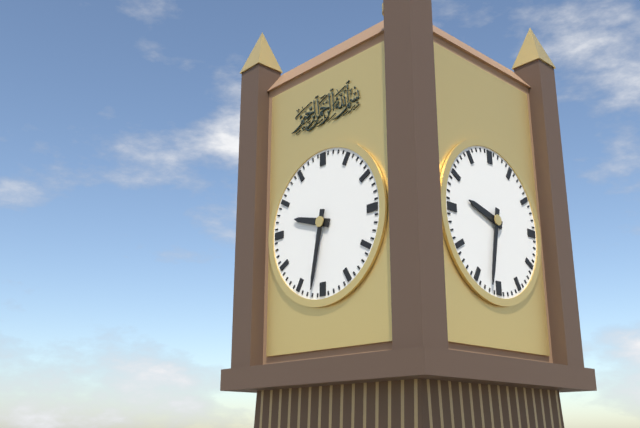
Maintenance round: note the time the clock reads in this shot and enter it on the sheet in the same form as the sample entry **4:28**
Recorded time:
**9:32**
